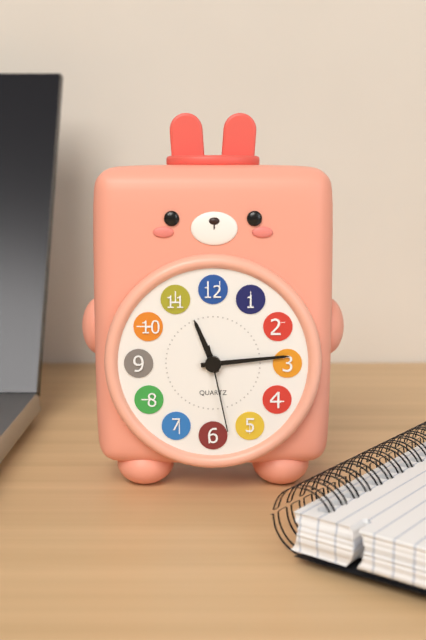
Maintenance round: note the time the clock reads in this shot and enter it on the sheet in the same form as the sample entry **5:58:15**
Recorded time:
**11:14:28**
